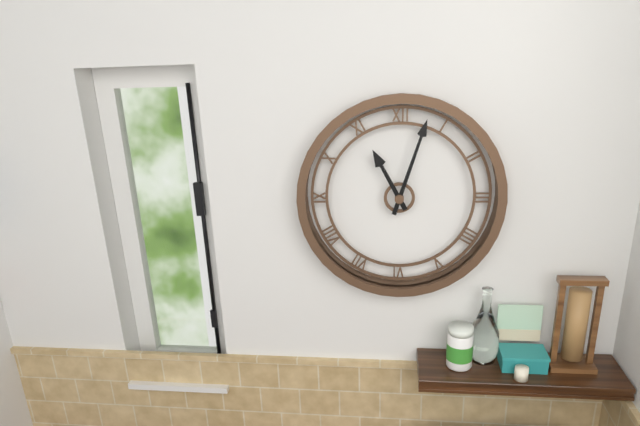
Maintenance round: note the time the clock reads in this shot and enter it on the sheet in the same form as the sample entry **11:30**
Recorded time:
**11:03**
